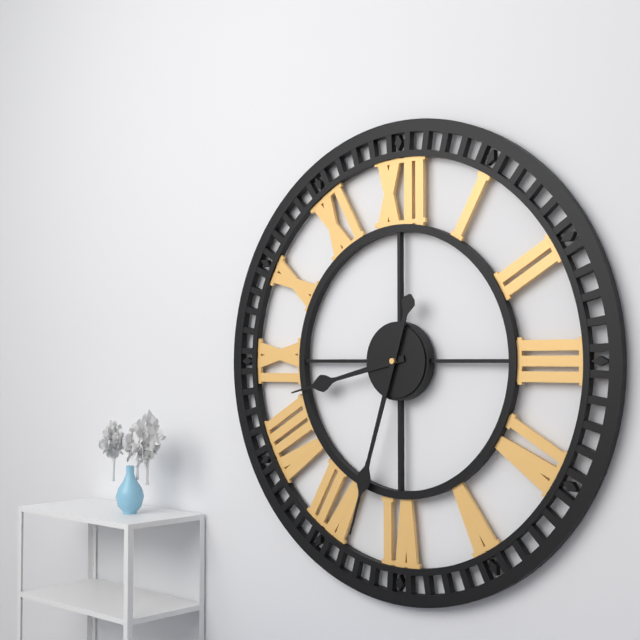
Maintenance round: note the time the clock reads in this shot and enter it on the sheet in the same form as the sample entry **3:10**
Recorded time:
**8:33**
